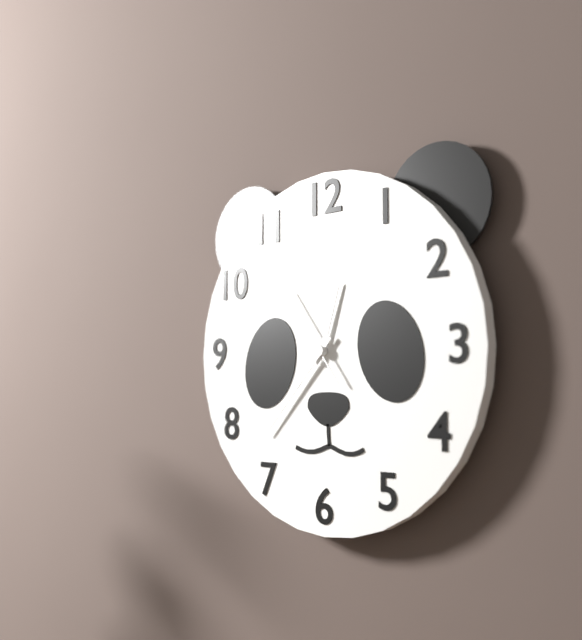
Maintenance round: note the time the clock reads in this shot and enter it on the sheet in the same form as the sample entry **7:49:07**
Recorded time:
**12:37:54**
